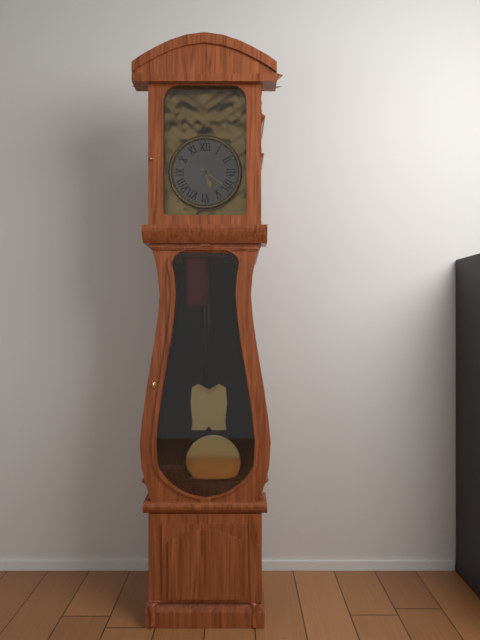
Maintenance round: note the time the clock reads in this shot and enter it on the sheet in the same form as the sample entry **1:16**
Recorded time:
**5:21**
